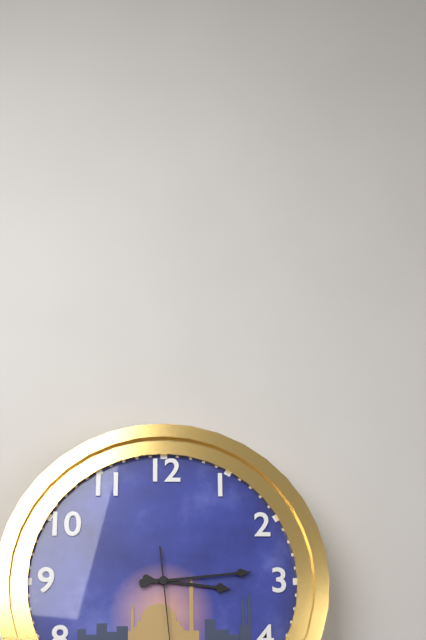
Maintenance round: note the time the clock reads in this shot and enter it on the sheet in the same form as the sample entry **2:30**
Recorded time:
**3:14**
